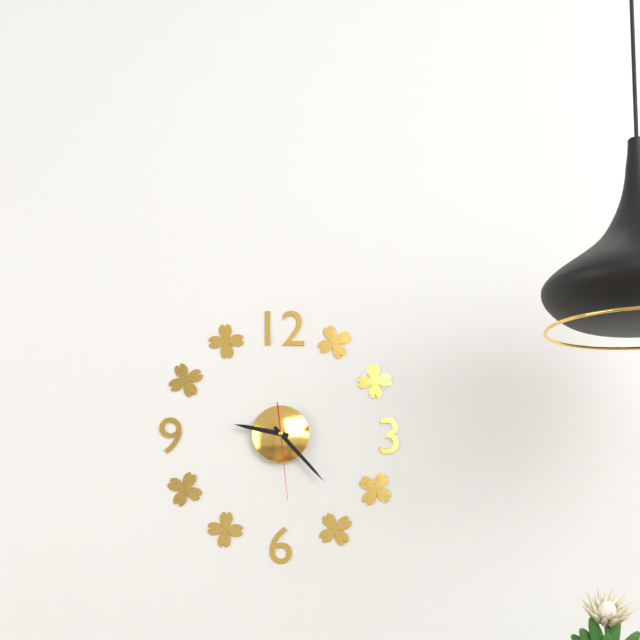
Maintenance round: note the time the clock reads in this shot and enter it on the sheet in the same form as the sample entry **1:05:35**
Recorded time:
**9:23:29**
